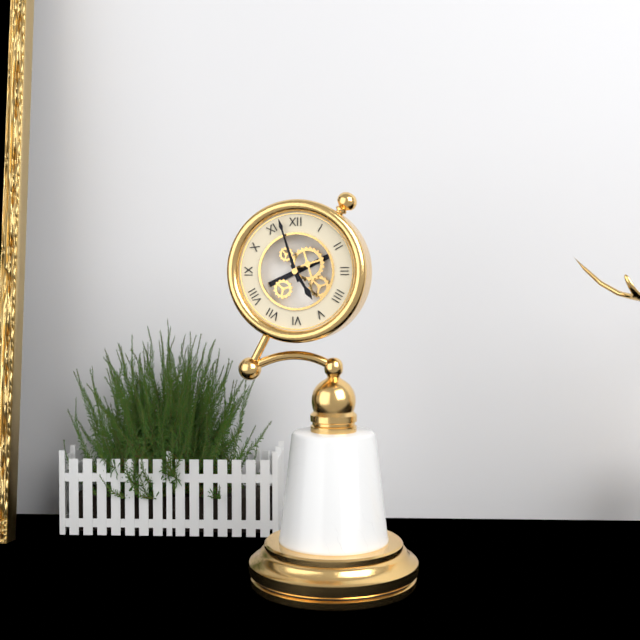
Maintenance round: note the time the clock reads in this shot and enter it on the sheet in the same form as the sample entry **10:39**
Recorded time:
**4:57**
